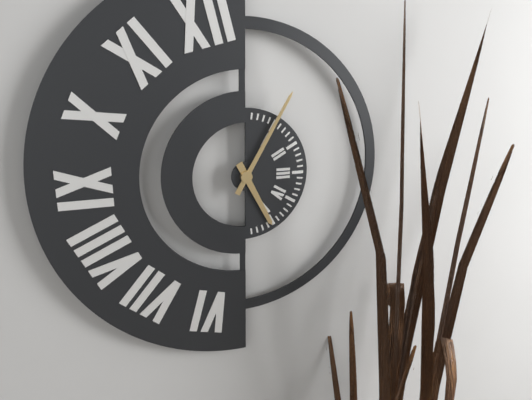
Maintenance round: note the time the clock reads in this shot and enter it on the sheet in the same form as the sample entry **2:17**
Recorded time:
**5:05**
